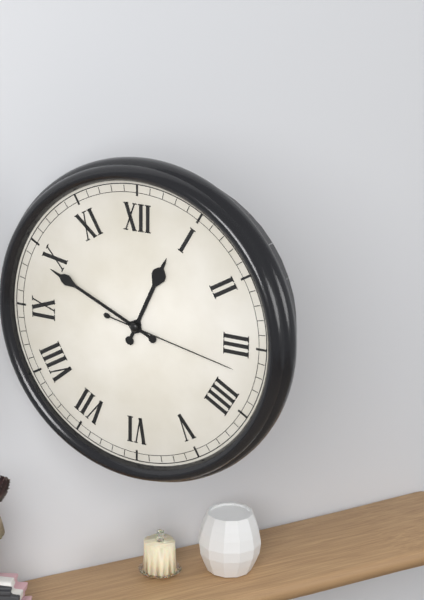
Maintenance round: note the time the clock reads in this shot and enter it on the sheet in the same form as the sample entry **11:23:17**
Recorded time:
**12:49:17**
